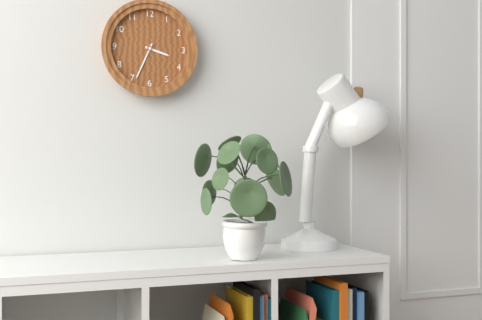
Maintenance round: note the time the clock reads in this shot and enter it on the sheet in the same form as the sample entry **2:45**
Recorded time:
**3:34**
